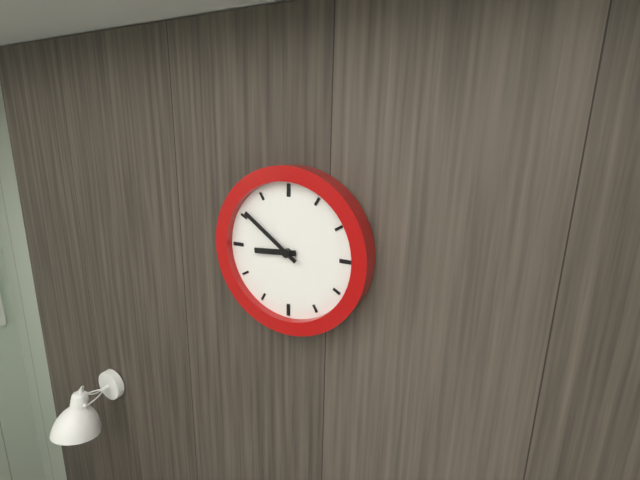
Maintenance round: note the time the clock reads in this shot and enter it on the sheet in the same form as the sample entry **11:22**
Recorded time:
**8:51**
